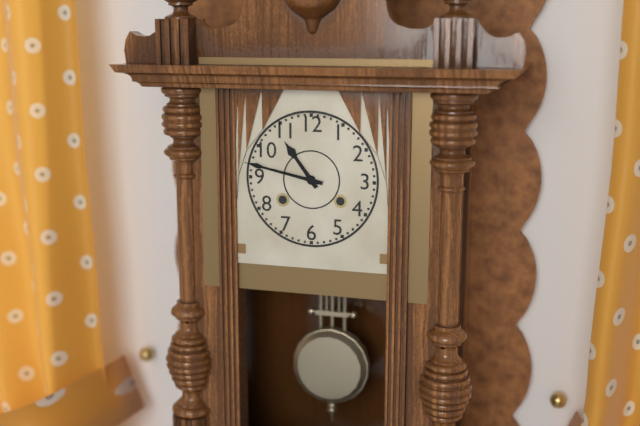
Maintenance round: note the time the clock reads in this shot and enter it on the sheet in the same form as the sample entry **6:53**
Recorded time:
**10:47**
